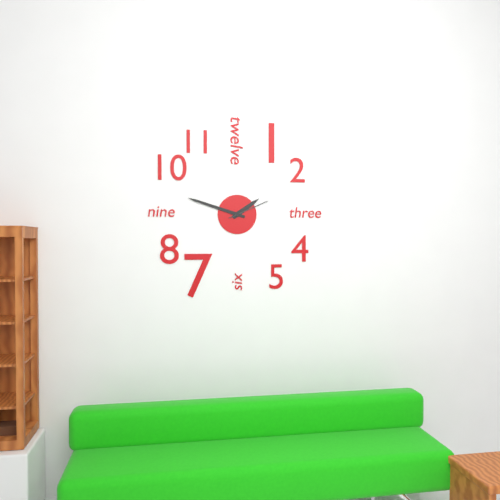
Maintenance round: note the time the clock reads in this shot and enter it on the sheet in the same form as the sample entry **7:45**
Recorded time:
**1:48**
